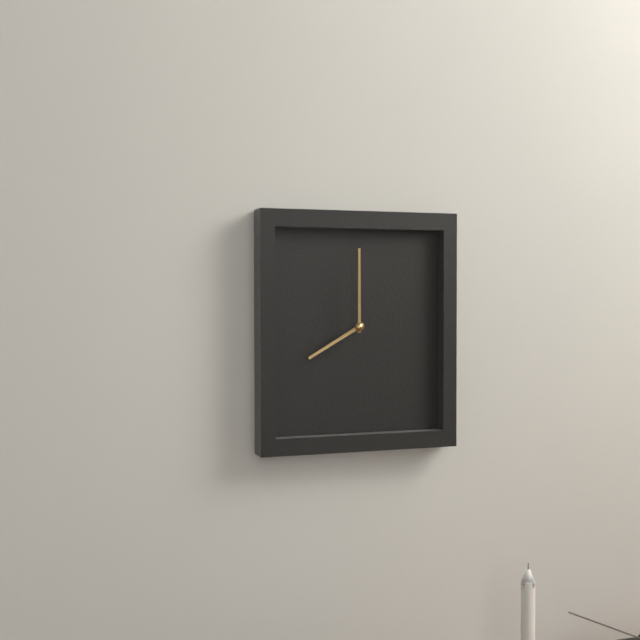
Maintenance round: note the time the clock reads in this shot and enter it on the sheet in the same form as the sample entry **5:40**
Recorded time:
**8:00**
